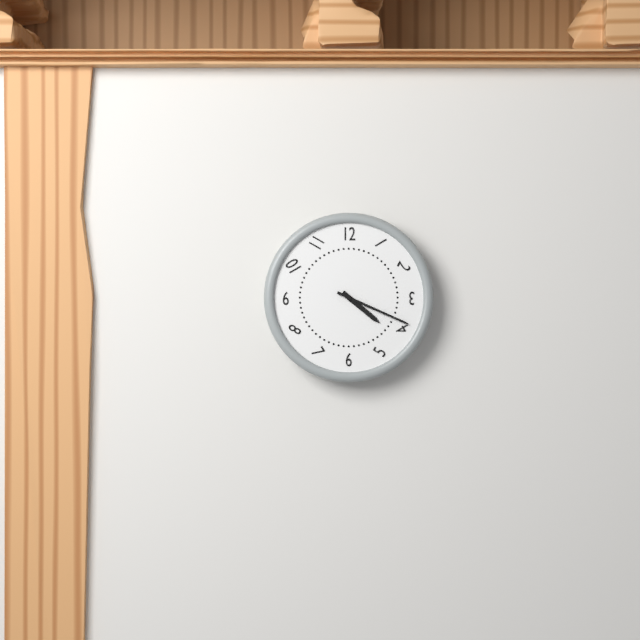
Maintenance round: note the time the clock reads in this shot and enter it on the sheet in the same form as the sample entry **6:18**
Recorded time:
**4:19**
